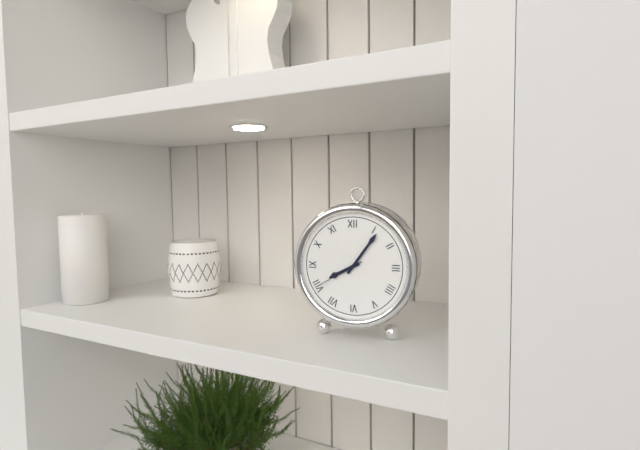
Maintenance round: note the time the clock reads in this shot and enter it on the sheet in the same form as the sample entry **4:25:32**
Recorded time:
**8:06:40**
